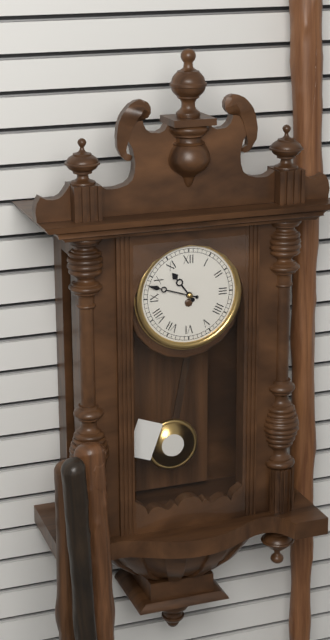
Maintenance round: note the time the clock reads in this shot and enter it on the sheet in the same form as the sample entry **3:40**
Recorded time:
**10:48**
